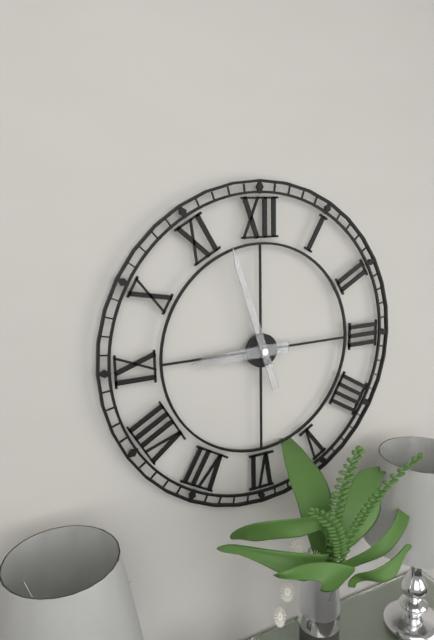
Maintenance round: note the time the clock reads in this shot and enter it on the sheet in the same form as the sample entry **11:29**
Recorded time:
**8:57**
